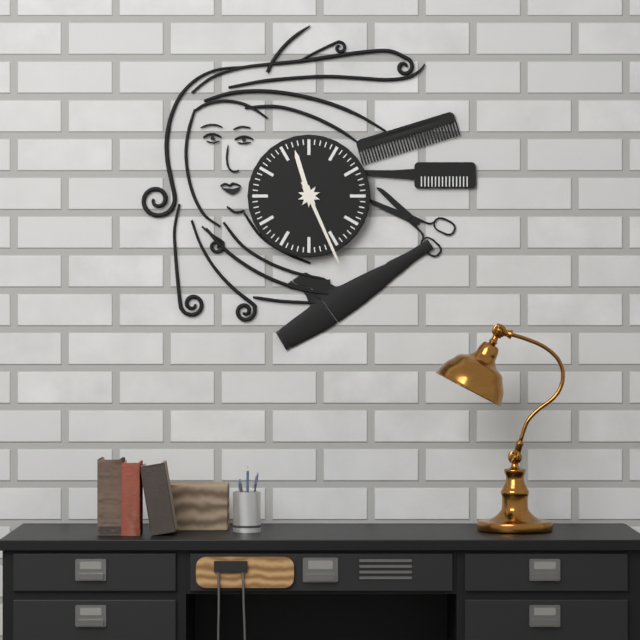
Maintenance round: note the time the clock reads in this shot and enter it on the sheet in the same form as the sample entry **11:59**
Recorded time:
**11:26**
